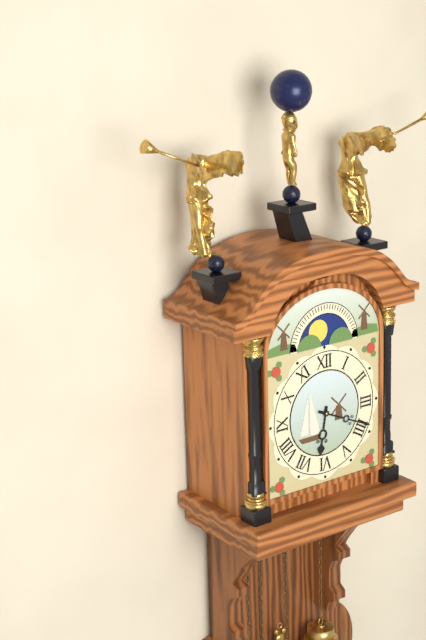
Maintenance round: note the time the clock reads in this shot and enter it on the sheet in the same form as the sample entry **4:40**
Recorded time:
**6:19**
